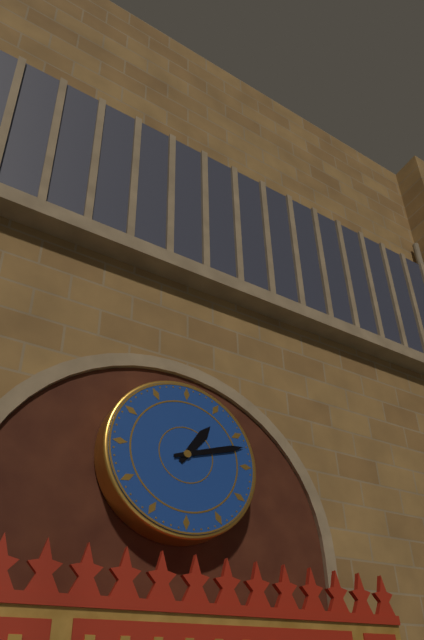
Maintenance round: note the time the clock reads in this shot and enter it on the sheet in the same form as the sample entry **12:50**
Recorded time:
**1:12**
